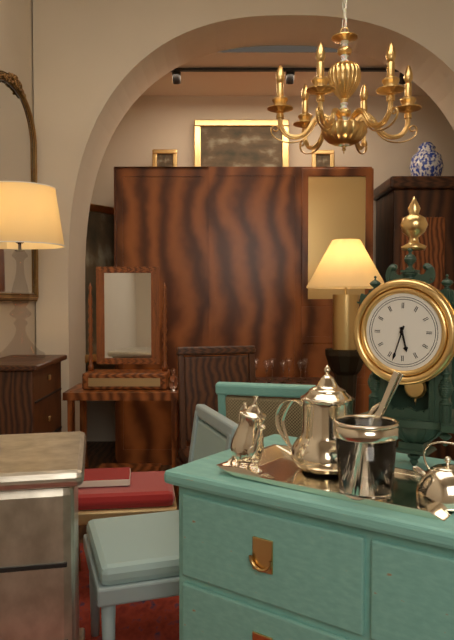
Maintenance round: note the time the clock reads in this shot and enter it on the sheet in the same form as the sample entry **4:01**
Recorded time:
**5:33**
